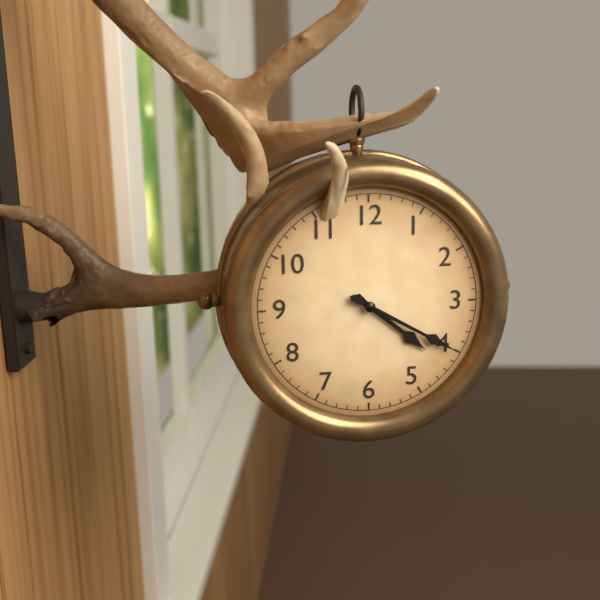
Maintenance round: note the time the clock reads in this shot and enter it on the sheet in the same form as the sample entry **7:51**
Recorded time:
**4:20**
